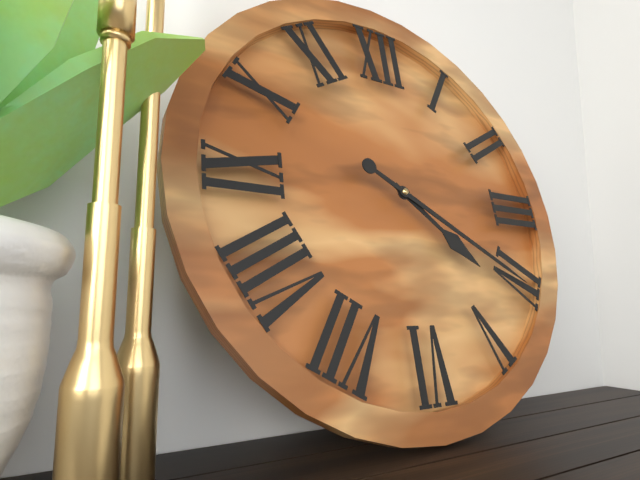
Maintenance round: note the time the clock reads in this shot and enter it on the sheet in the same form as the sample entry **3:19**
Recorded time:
**4:20**
